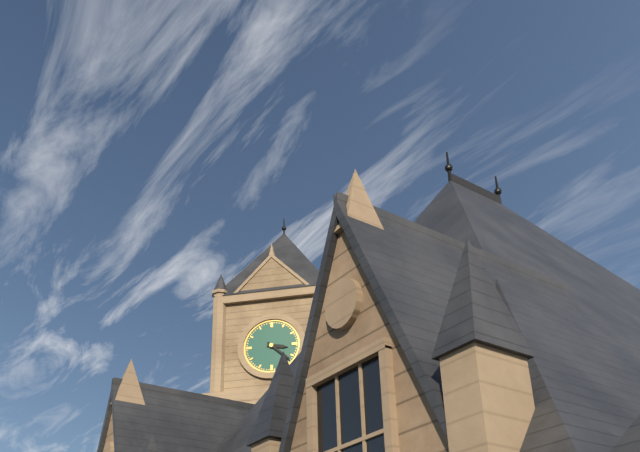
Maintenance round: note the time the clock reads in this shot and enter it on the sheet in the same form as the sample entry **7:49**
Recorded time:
**3:22**
